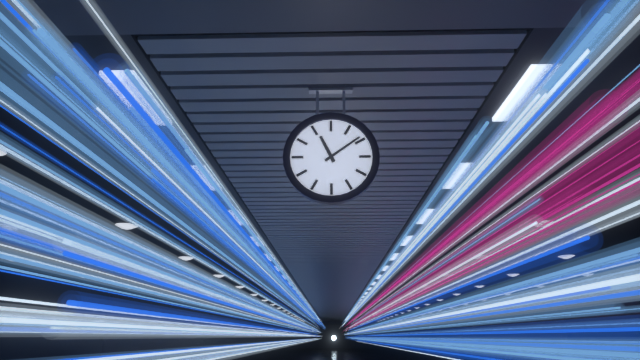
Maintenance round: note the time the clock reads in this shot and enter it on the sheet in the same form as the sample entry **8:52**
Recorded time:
**11:09**
